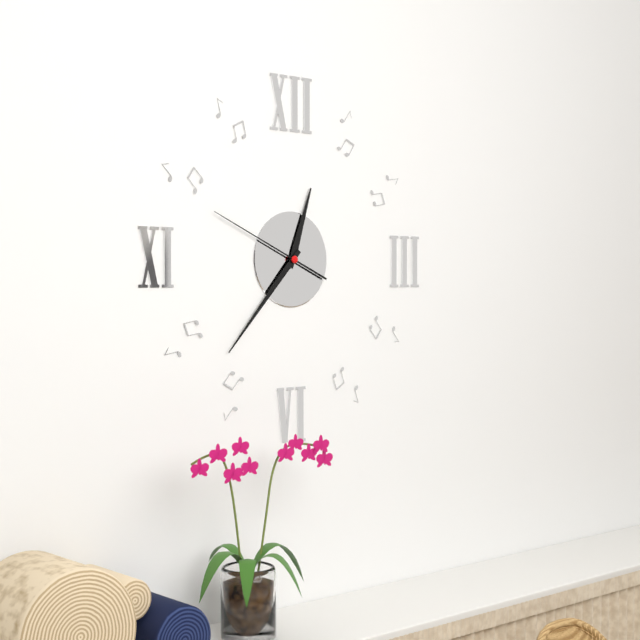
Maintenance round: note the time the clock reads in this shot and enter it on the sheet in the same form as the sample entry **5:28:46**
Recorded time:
**12:37:49**
